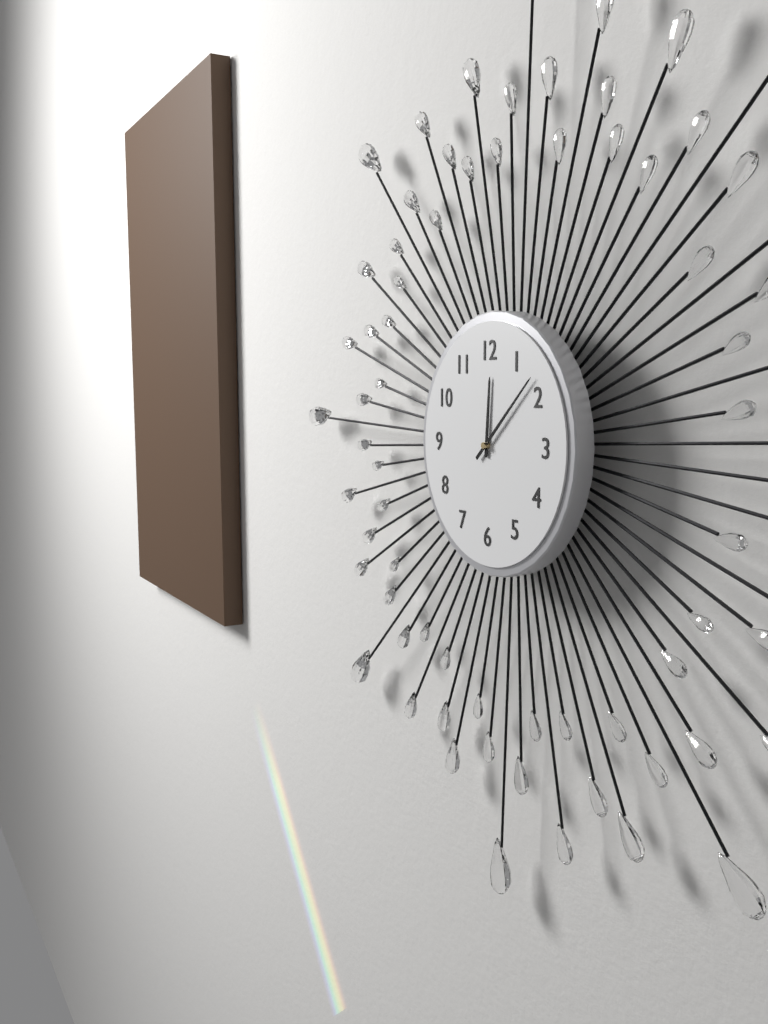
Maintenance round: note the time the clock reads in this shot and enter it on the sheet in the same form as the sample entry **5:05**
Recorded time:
**12:08**
